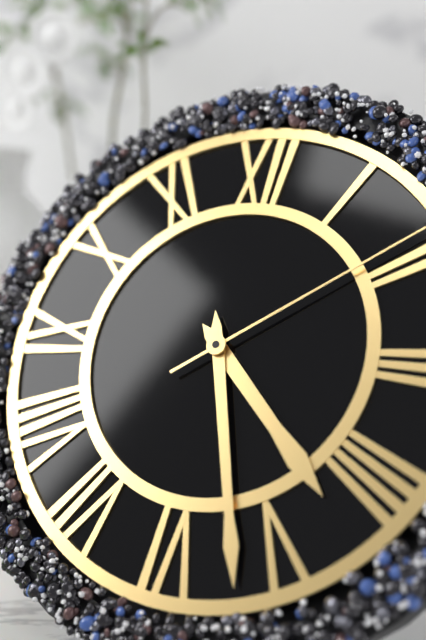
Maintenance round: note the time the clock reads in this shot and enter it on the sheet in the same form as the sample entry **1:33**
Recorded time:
**4:27**
